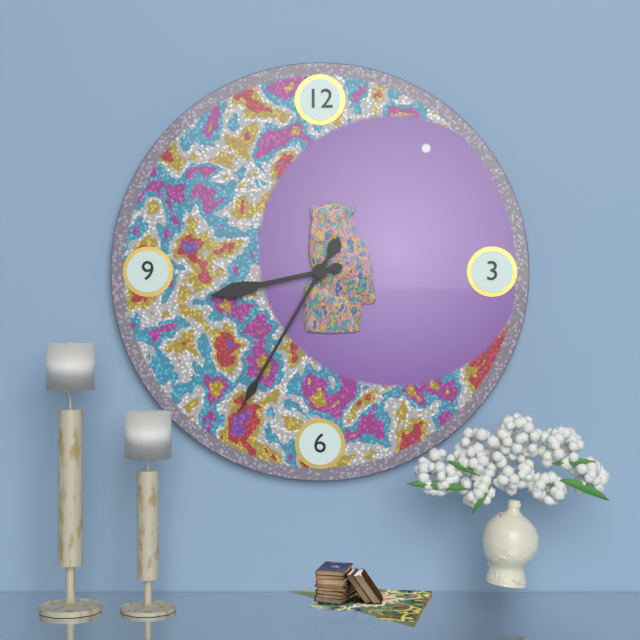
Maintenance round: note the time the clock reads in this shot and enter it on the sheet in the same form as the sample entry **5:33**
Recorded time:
**8:35**
